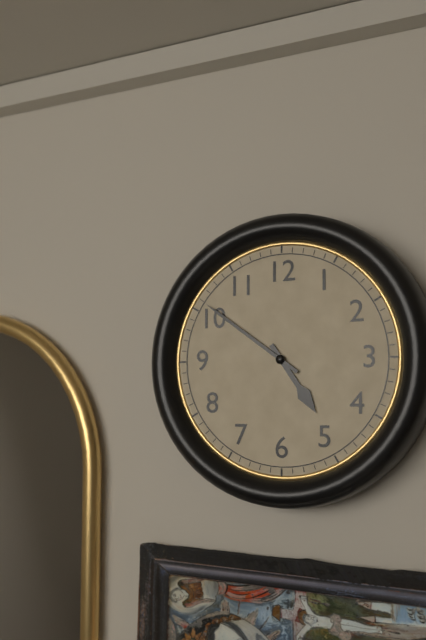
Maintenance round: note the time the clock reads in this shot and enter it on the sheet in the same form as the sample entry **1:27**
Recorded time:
**4:51**
